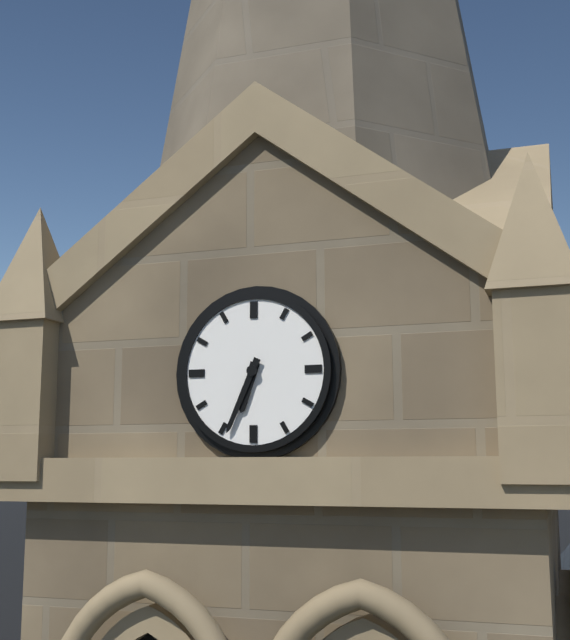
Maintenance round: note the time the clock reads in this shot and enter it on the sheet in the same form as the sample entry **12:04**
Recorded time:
**6:34**
